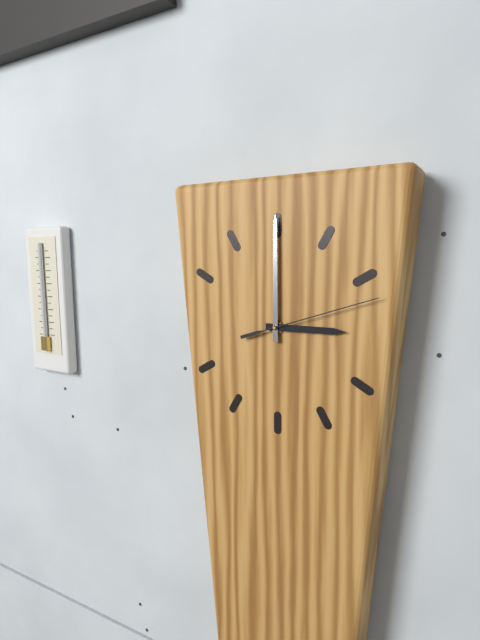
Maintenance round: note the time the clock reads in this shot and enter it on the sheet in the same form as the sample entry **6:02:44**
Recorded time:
**3:00:12**
